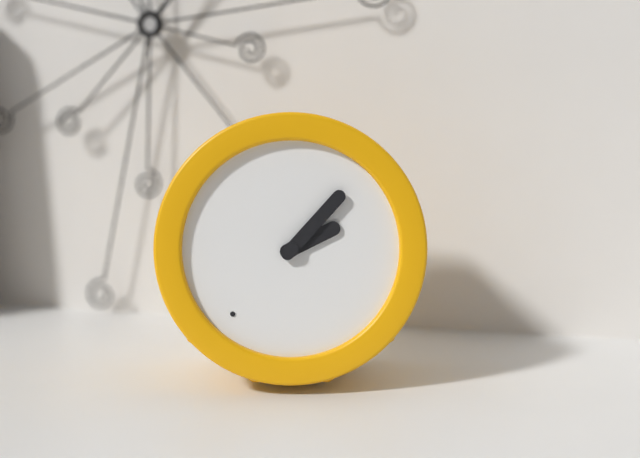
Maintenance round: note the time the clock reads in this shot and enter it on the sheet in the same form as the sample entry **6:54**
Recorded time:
**2:07**
